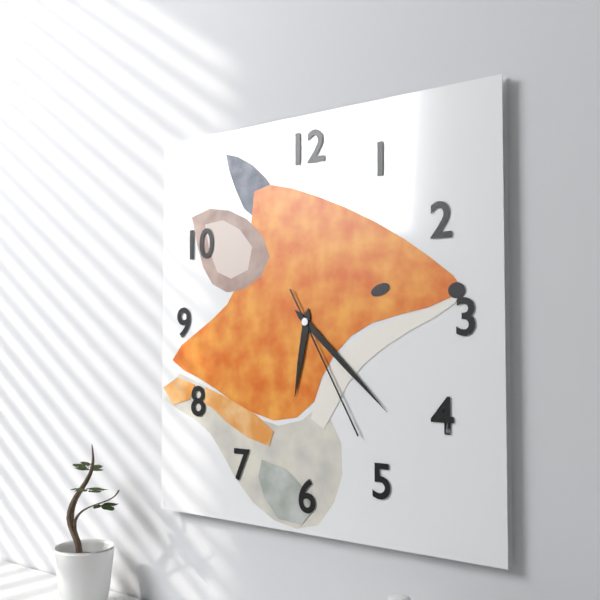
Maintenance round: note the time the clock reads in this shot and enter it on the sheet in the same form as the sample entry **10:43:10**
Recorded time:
**6:22:25**
